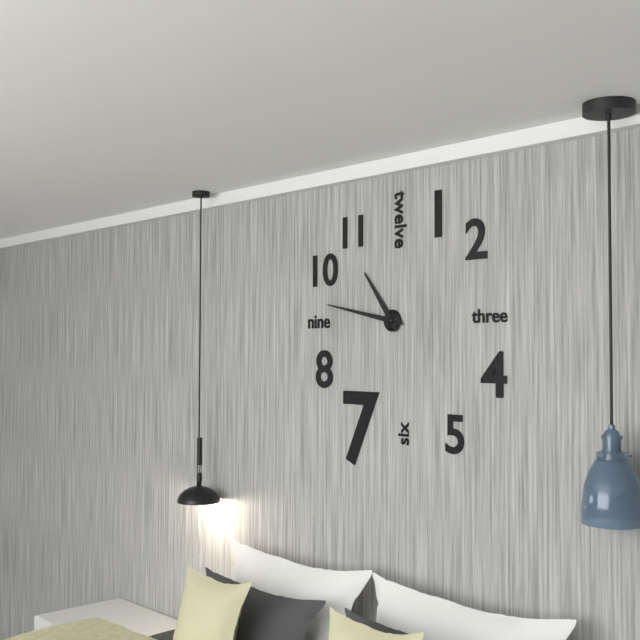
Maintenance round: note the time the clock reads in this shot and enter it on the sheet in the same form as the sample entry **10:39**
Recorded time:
**10:47**
